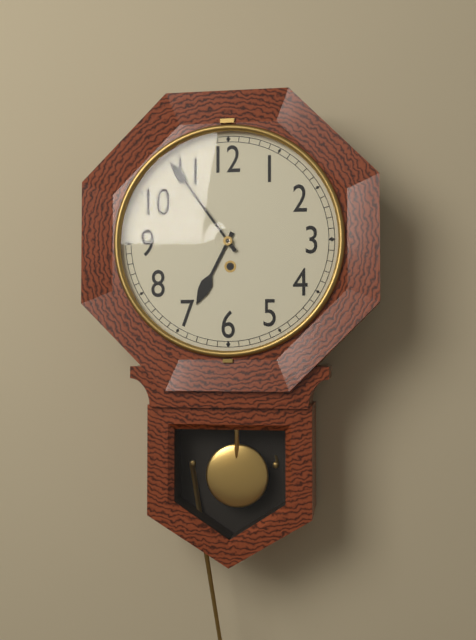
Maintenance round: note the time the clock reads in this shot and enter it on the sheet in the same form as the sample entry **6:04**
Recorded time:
**6:54**
